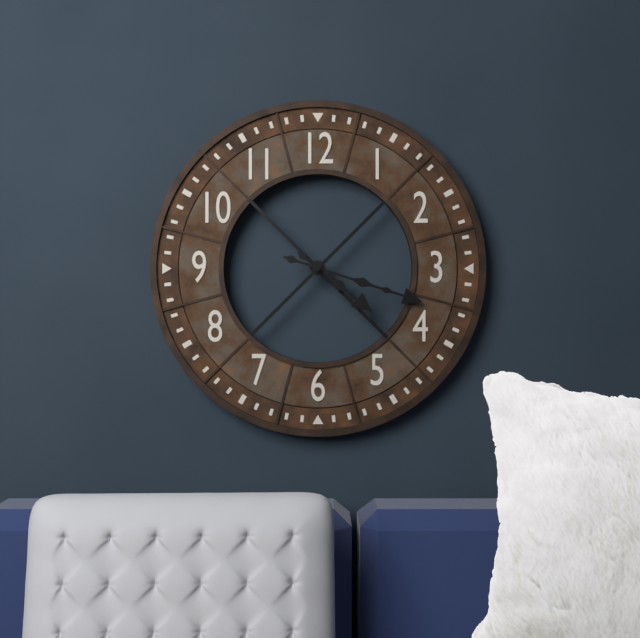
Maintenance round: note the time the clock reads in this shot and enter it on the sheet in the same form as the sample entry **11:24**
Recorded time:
**4:18**
